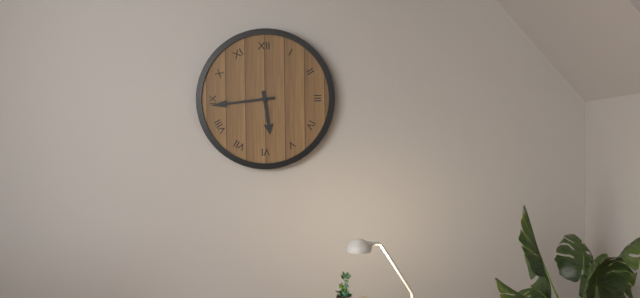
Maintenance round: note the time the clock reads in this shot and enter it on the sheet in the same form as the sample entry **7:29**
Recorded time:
**5:44**
